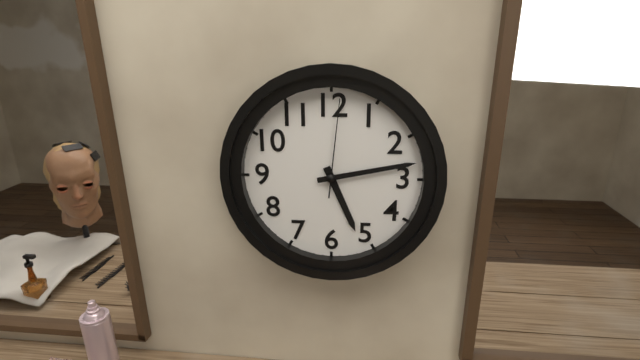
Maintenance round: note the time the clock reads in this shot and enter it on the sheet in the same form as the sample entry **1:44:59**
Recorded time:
**5:13:01**
